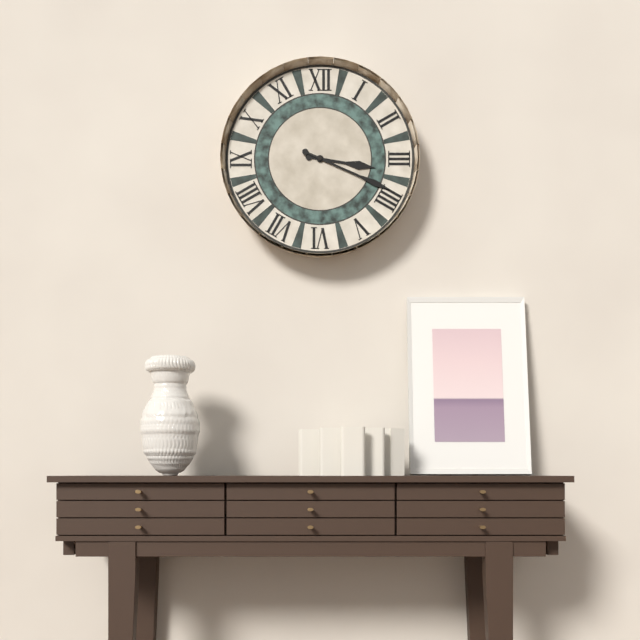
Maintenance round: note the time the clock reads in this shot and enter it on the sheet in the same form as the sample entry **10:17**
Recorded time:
**3:19**
